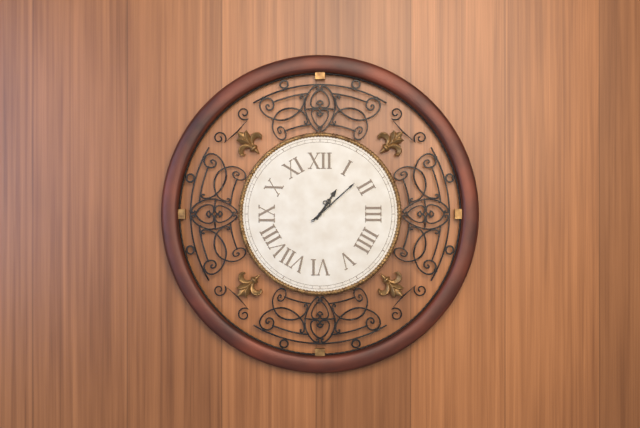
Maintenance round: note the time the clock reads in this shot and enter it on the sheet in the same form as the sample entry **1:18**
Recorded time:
**1:08**
